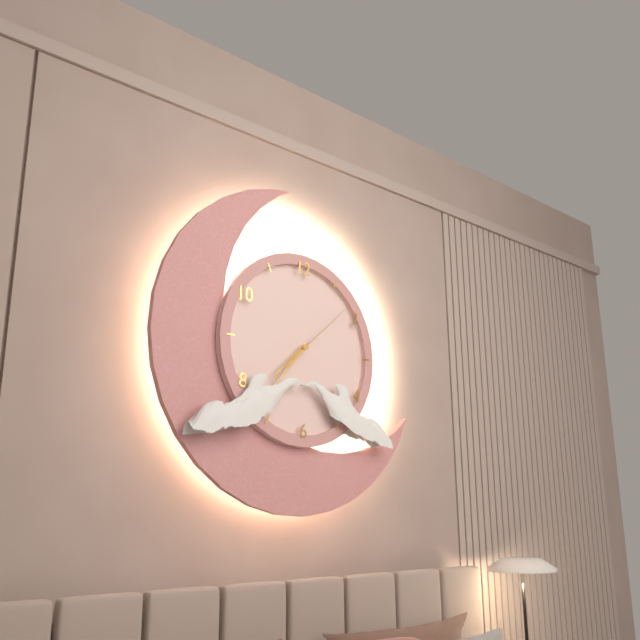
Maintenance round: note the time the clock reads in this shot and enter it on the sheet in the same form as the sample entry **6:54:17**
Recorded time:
**7:37:08**
